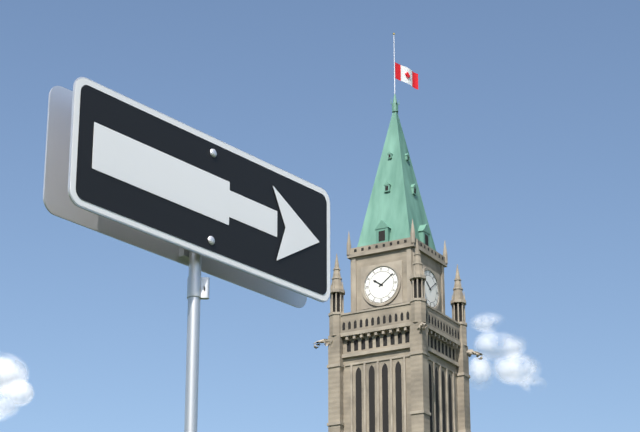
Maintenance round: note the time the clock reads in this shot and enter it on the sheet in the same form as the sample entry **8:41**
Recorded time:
**10:09**
